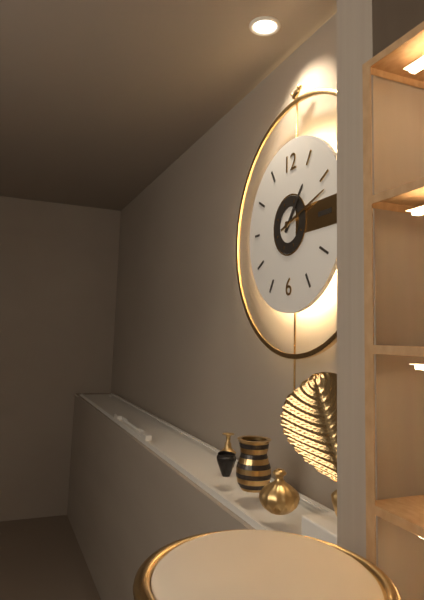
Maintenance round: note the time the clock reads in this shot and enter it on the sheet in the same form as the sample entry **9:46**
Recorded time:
**1:12**
